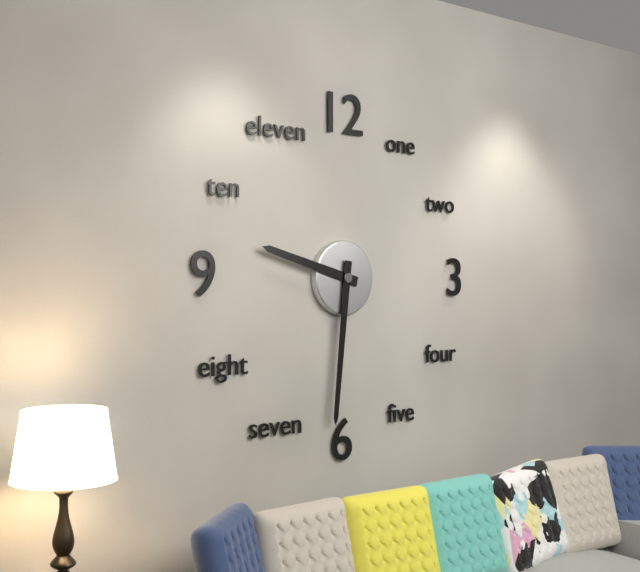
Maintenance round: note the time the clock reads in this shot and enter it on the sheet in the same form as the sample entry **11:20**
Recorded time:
**9:31**
